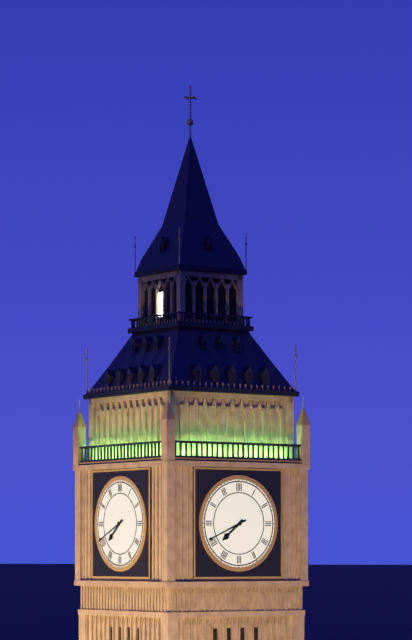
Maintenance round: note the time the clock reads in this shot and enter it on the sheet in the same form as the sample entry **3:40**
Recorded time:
**7:41**
